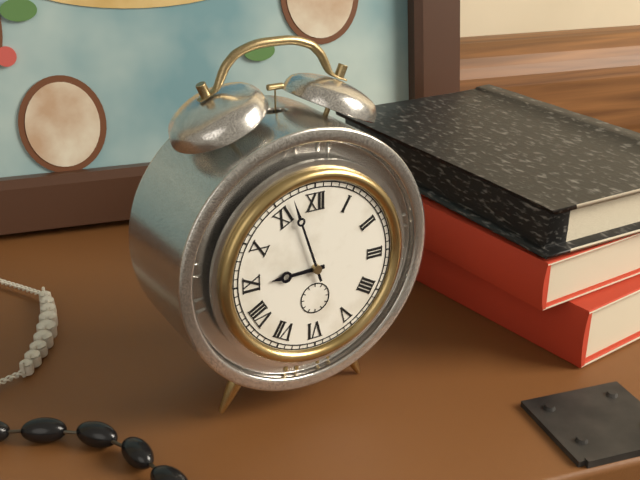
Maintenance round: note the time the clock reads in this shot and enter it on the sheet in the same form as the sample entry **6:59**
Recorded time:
**8:57**
